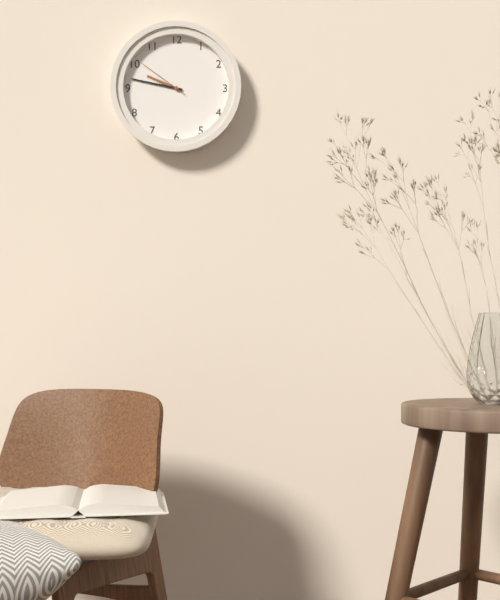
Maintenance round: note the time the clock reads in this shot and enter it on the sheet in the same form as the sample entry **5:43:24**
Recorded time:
**9:47:51**
